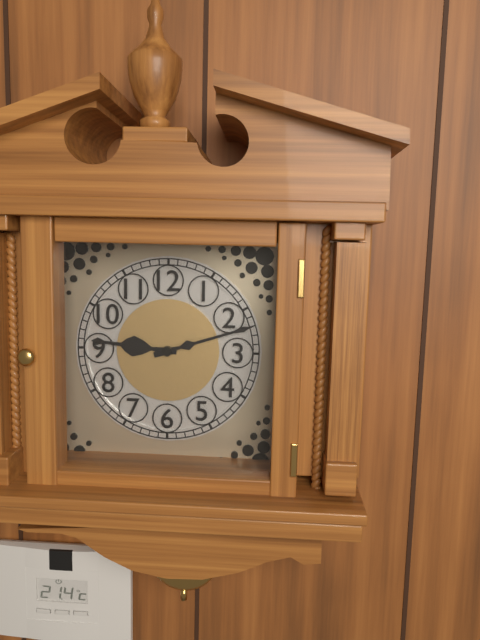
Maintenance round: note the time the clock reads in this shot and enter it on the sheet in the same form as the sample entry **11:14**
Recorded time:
**9:12**
